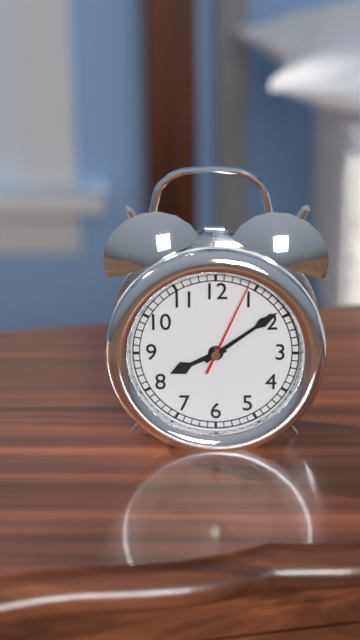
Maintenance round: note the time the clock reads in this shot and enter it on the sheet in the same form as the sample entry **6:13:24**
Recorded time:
**8:09:04**
